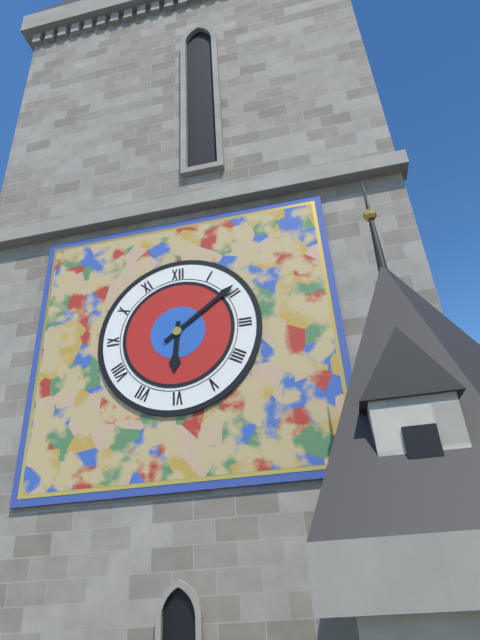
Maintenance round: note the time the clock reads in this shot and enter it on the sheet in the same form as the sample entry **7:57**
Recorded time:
**6:09**
